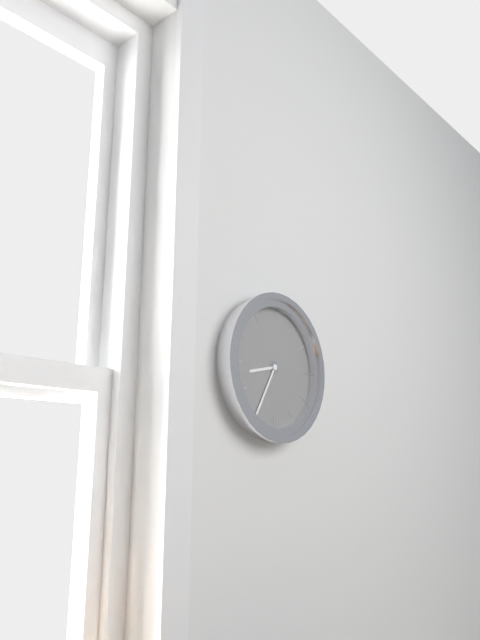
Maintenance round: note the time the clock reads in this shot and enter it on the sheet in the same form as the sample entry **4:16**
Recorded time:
**8:35**
